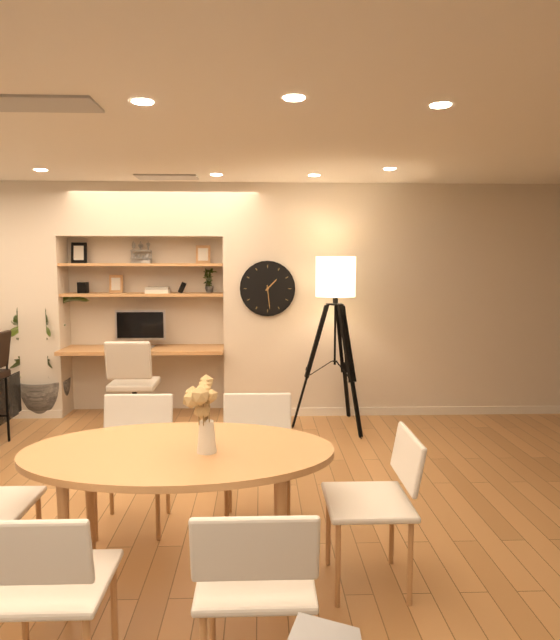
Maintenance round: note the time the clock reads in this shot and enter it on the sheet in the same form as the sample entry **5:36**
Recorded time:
**1:29**
